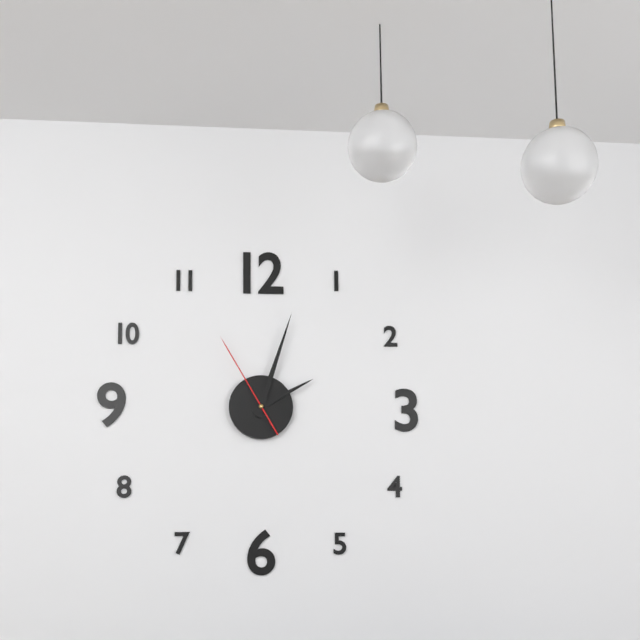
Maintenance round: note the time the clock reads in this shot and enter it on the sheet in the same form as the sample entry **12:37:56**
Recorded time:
**2:03:55**
